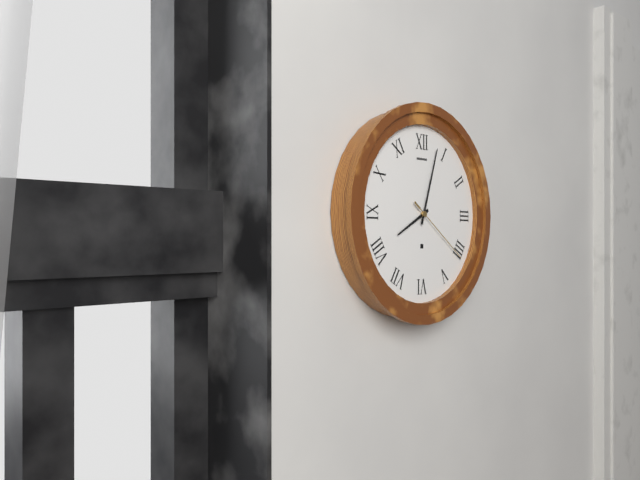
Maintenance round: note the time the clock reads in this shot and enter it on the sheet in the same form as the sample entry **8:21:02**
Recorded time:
**8:03:21**
